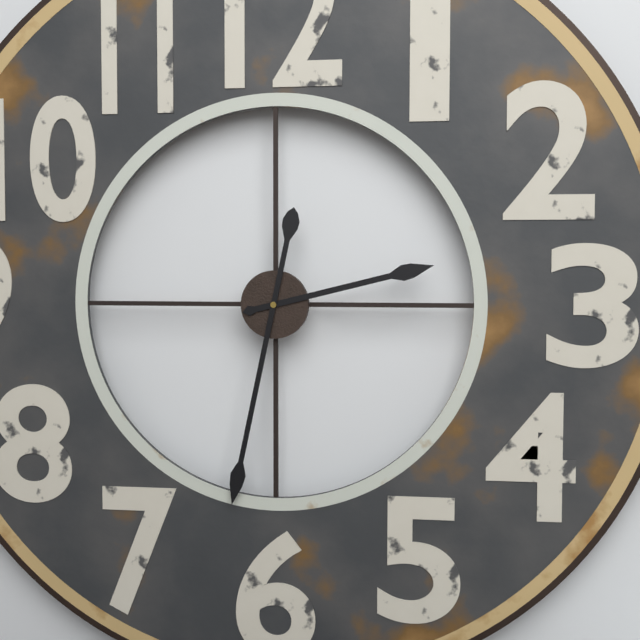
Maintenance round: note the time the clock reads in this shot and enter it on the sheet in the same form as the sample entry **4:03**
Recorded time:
**2:32**
